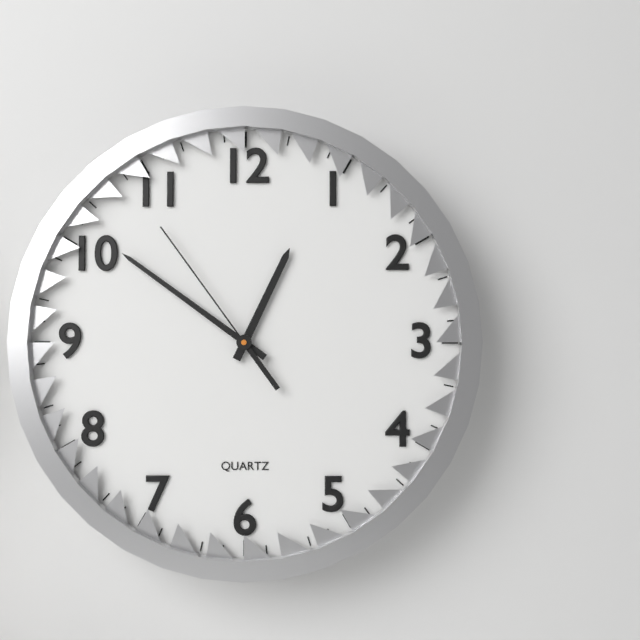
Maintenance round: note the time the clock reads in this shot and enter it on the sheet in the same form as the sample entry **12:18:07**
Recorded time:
**12:51:54**
